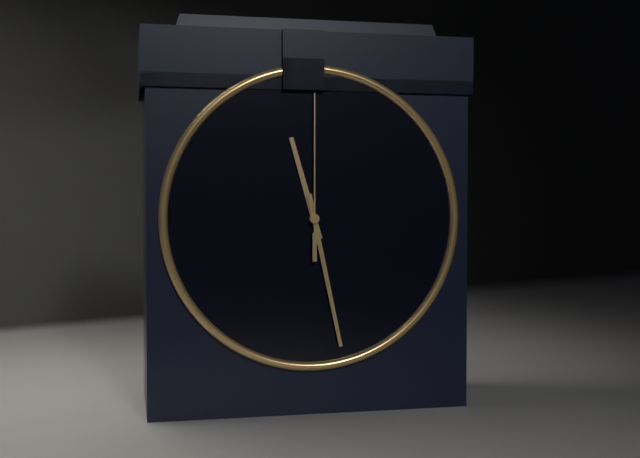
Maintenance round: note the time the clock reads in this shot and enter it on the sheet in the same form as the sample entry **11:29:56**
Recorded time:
**11:28:00**
